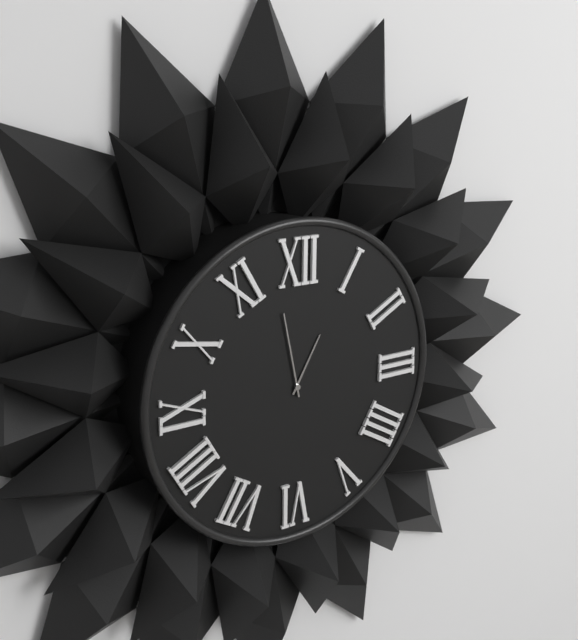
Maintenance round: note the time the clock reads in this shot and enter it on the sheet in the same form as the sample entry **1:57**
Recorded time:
**12:58**
